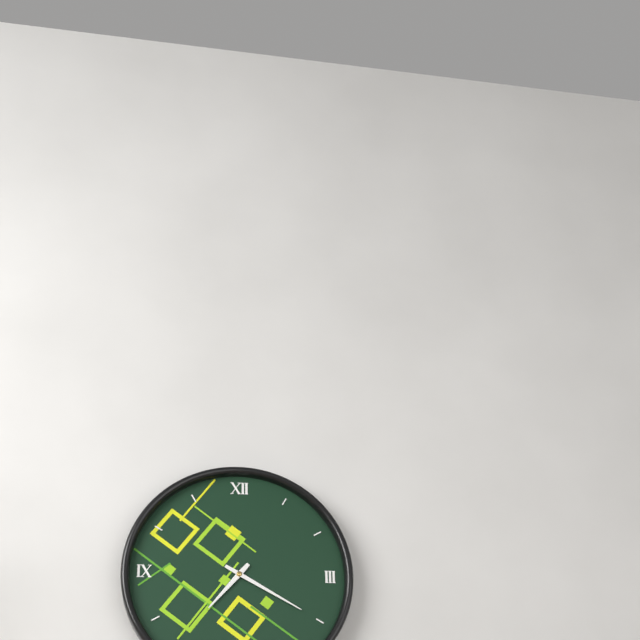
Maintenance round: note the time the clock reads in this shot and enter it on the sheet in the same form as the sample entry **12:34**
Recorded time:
**7:20**
